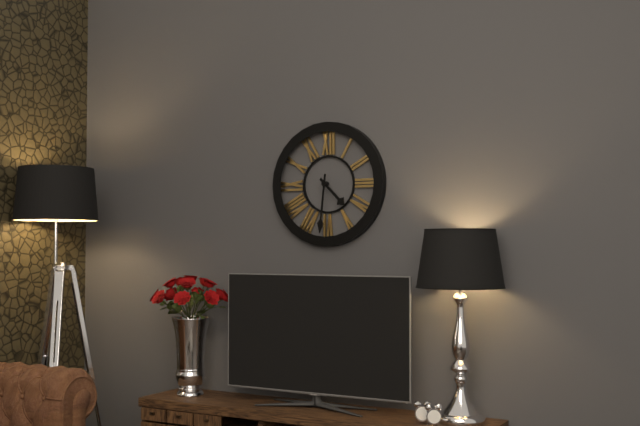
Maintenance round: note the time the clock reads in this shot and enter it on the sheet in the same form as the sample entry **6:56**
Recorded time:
**4:31**
